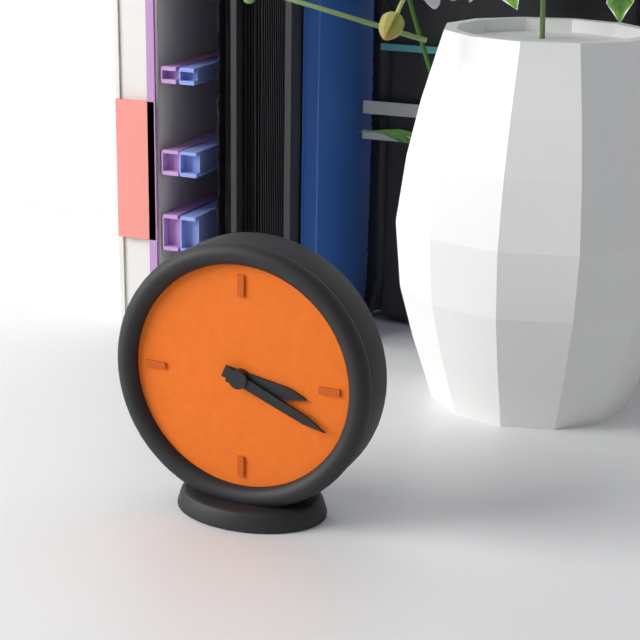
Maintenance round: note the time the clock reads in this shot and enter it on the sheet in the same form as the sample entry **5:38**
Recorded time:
**3:19**
